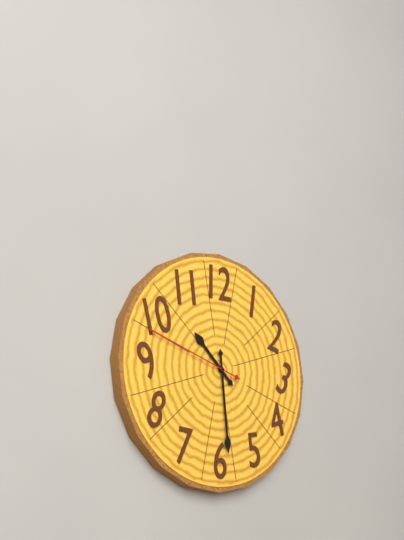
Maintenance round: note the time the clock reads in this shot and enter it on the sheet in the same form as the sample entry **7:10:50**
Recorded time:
**10:29:48**
